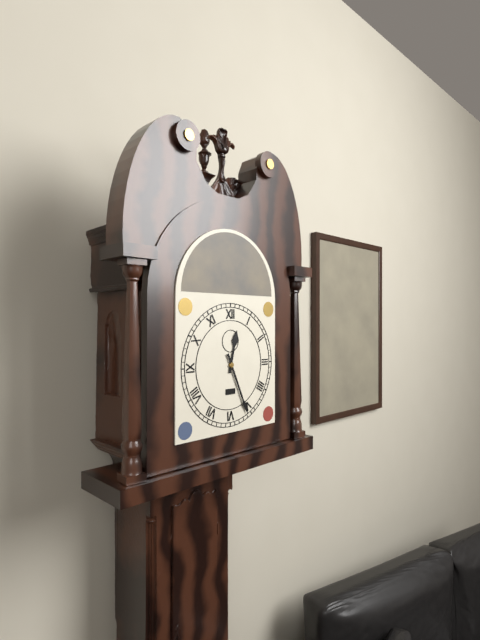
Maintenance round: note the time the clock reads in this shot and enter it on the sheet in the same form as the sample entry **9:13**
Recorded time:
**12:26**
